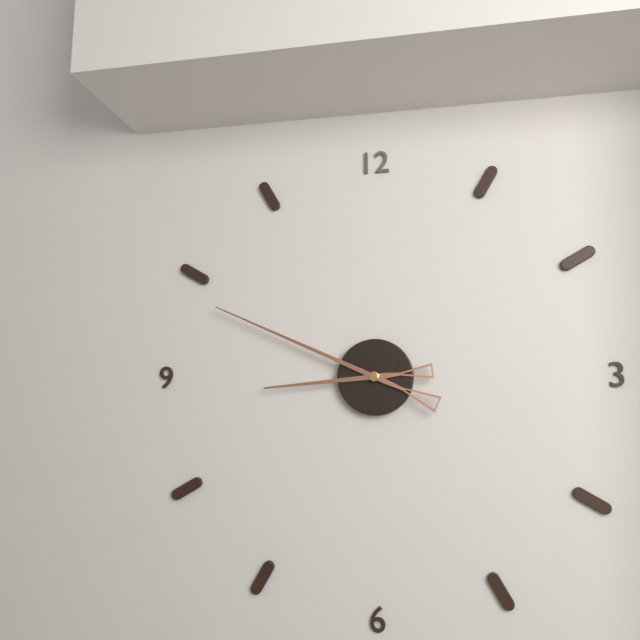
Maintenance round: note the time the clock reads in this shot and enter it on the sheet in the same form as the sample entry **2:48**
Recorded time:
**8:49**
